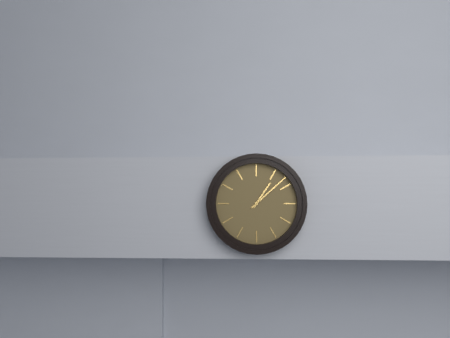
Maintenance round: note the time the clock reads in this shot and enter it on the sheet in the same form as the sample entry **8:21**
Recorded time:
**1:08**
